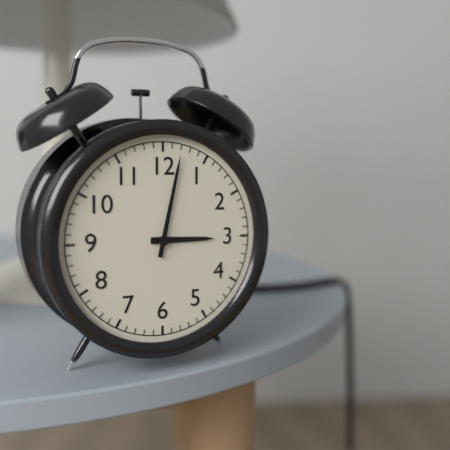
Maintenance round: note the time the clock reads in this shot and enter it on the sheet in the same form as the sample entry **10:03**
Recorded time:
**3:02**
